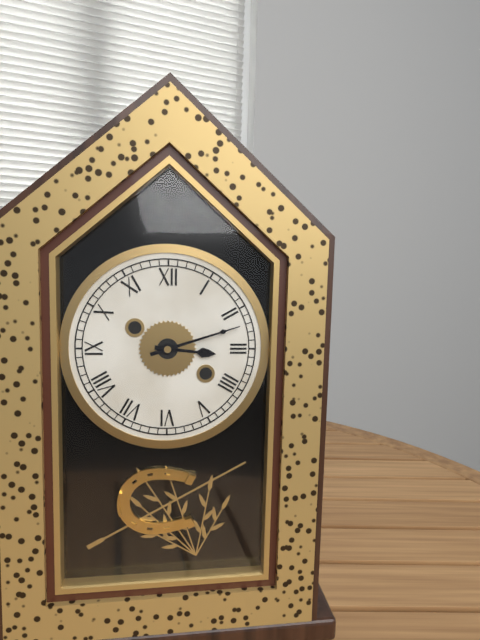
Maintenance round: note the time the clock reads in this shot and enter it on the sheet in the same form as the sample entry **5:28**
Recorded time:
**3:12**
